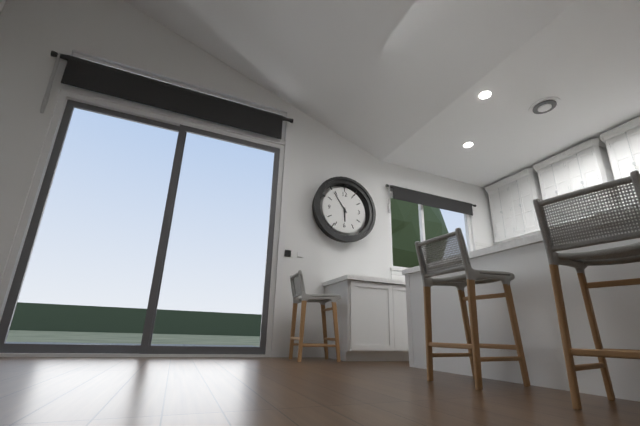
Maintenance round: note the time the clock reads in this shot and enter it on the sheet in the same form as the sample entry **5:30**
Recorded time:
**5:54**
